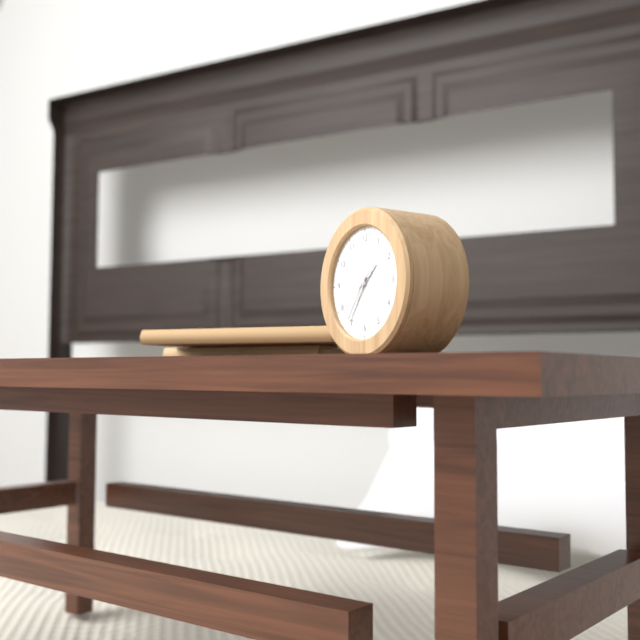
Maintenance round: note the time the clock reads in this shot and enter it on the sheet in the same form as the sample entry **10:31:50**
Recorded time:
**1:36:38**
